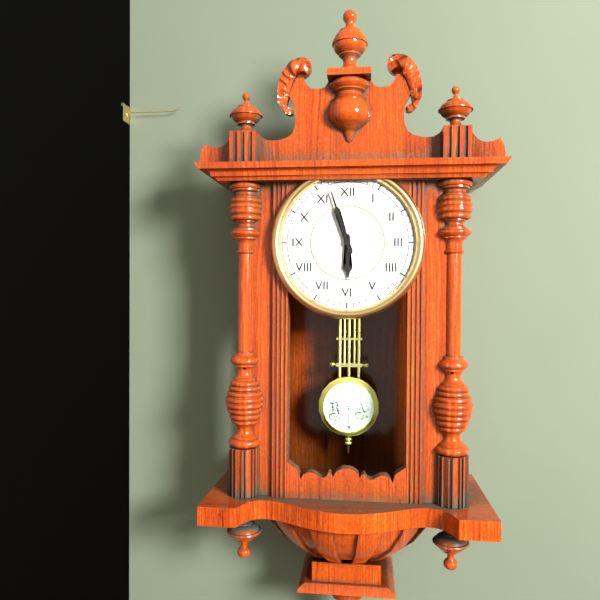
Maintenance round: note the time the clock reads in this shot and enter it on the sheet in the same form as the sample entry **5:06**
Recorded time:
**5:57**
